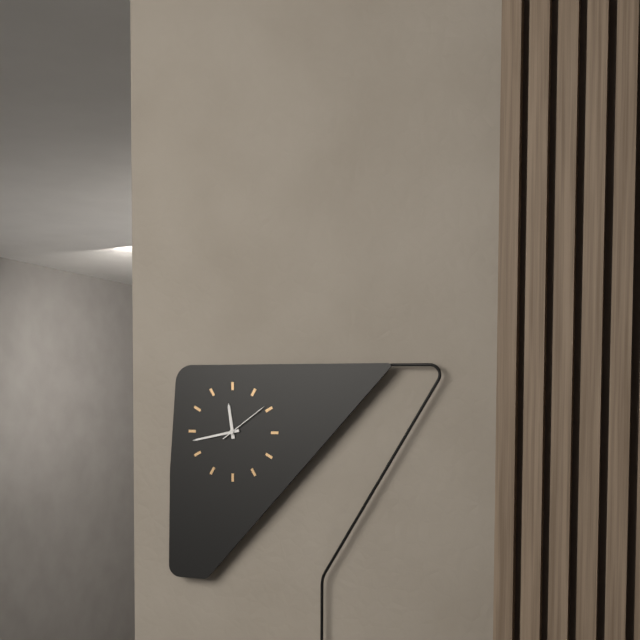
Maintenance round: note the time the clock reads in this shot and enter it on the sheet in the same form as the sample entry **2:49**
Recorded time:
**11:43**
